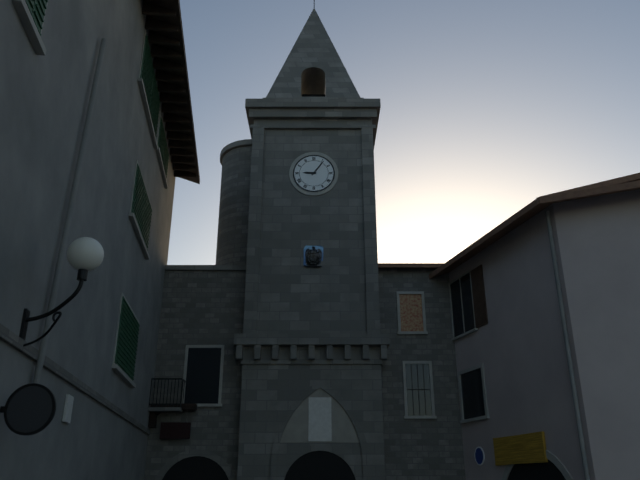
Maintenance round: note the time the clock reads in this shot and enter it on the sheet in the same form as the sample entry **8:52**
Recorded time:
**9:06**
